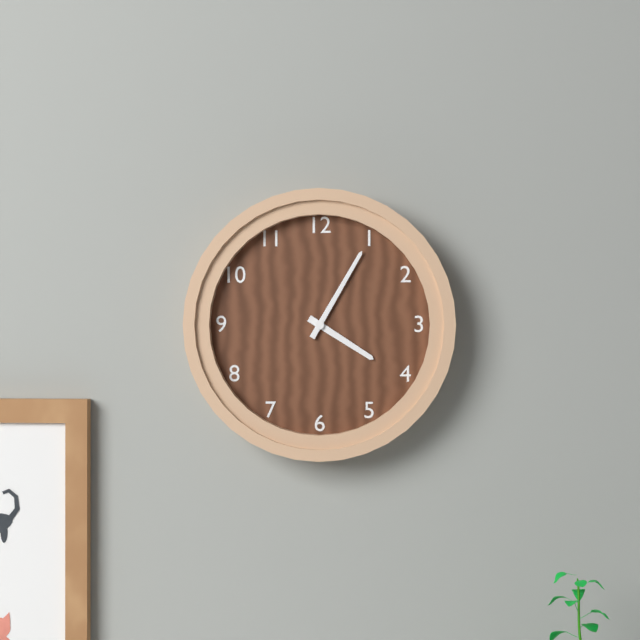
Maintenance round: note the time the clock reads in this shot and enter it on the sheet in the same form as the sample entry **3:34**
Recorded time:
**4:05**
